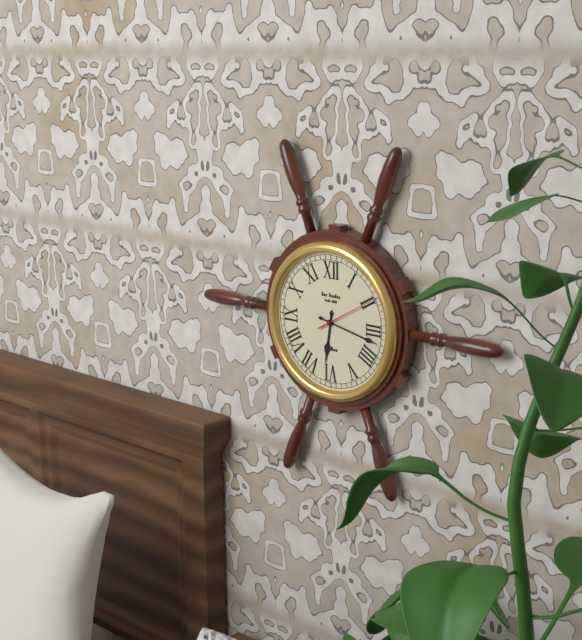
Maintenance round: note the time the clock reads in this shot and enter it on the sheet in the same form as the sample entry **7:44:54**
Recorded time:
**6:17:10**
